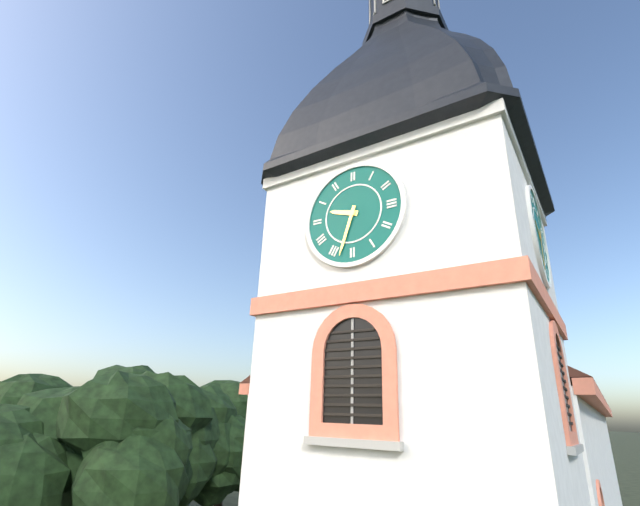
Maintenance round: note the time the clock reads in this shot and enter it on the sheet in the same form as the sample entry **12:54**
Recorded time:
**9:33**
